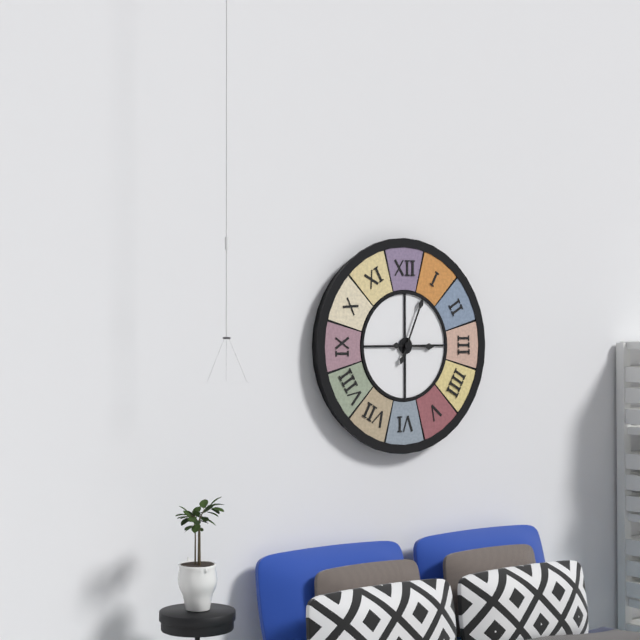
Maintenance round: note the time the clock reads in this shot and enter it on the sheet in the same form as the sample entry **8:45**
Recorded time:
**3:04**
